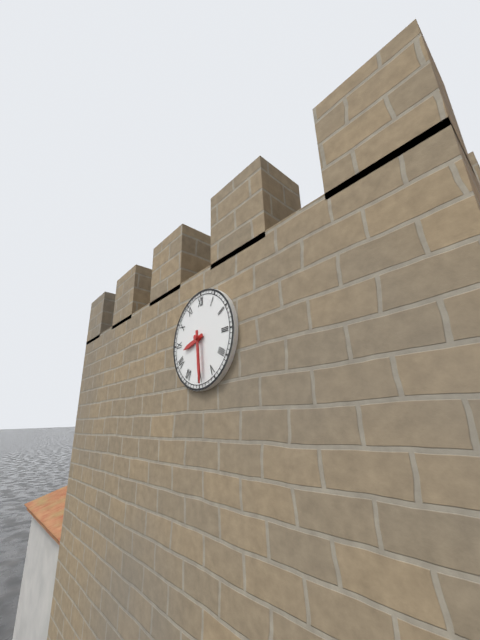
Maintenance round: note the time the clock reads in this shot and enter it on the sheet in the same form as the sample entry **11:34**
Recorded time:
**8:29**
